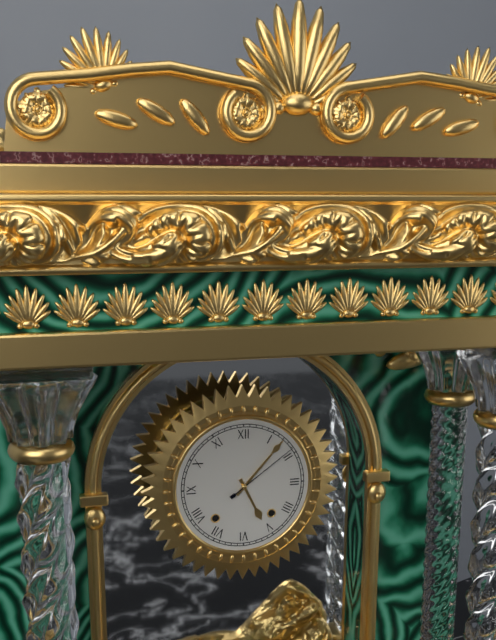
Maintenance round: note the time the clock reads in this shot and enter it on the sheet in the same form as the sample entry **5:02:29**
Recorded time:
**5:07:09**
